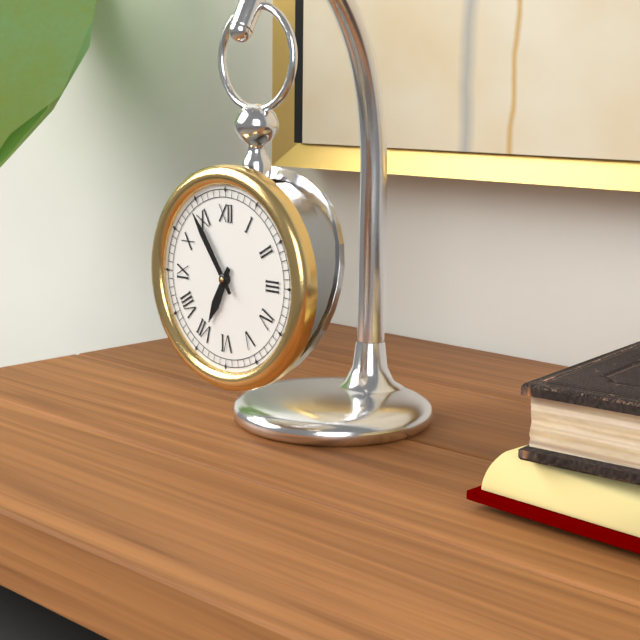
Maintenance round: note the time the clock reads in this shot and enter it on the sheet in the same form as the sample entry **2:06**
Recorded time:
**6:54**
